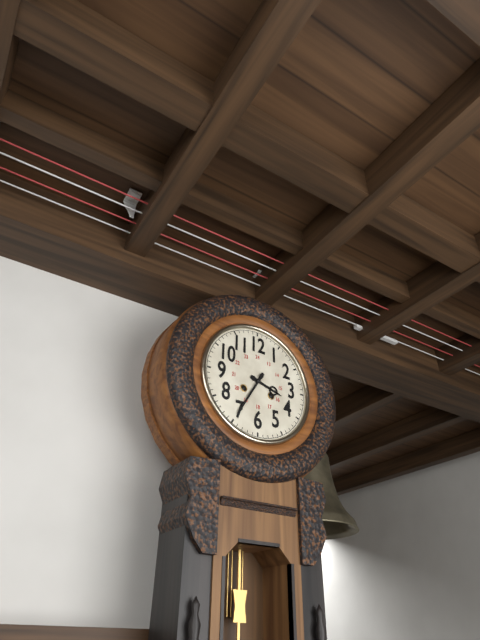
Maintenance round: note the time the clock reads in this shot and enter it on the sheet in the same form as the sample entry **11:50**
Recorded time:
**3:35**
